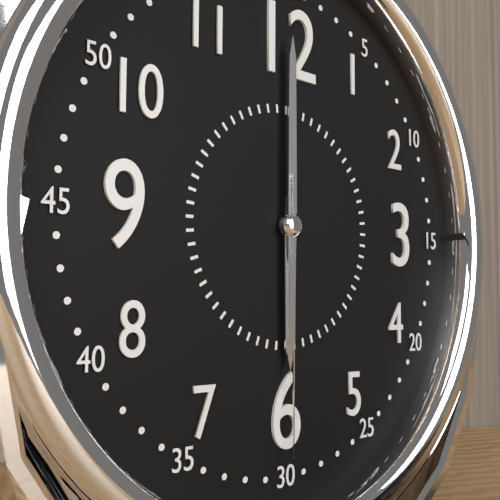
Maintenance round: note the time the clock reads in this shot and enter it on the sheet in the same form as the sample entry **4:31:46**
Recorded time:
**6:00:30**
